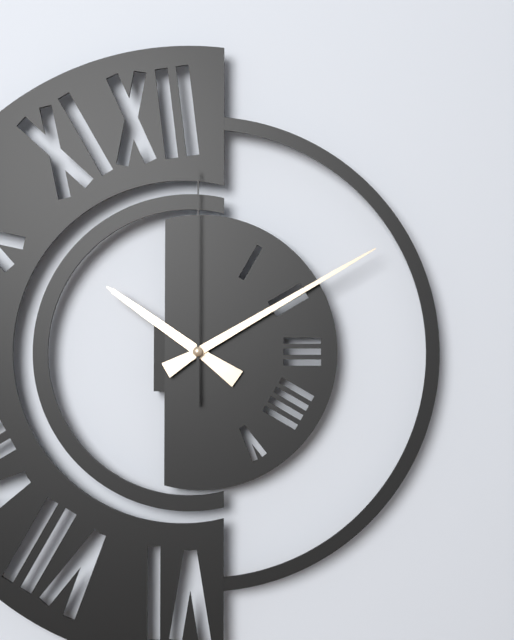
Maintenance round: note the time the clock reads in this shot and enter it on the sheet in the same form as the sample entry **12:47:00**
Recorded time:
**10:10:00**
